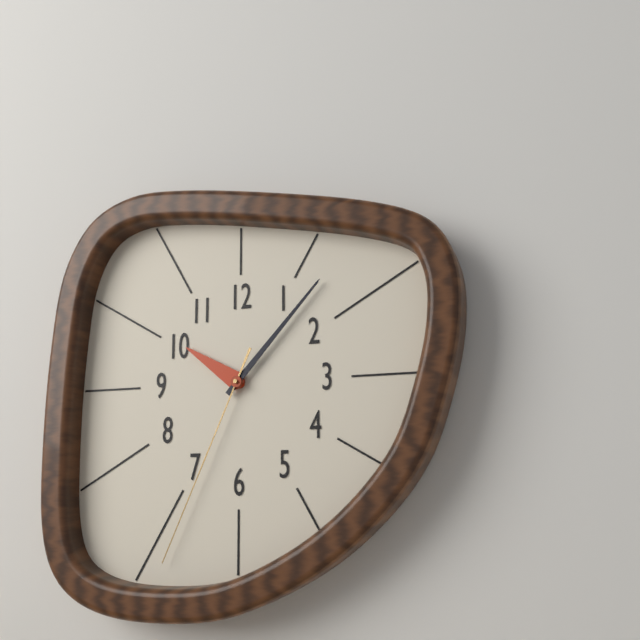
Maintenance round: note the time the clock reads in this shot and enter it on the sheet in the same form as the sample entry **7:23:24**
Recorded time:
**10:07:34**
